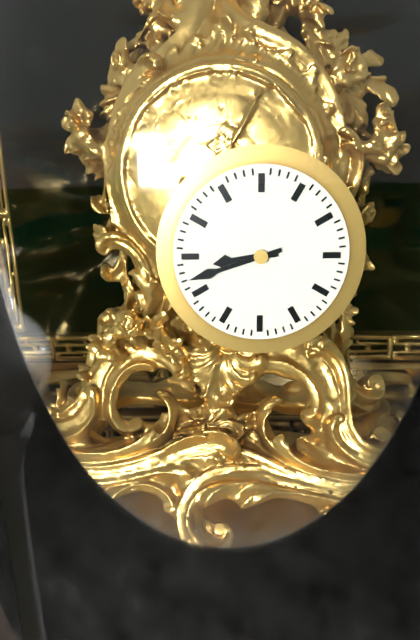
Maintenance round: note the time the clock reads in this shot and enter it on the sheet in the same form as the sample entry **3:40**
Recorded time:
**8:42**
